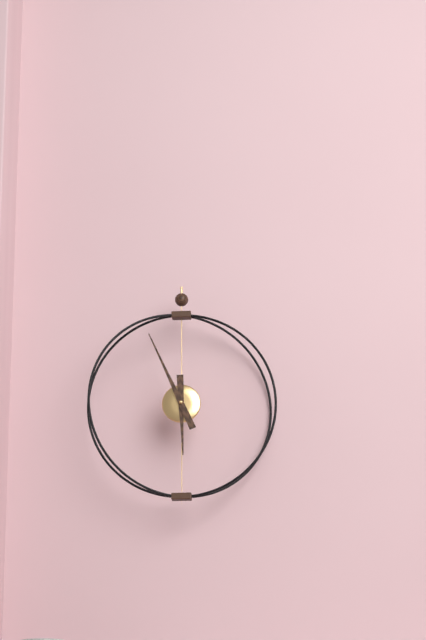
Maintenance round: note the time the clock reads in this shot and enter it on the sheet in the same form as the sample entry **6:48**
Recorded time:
**5:56**
